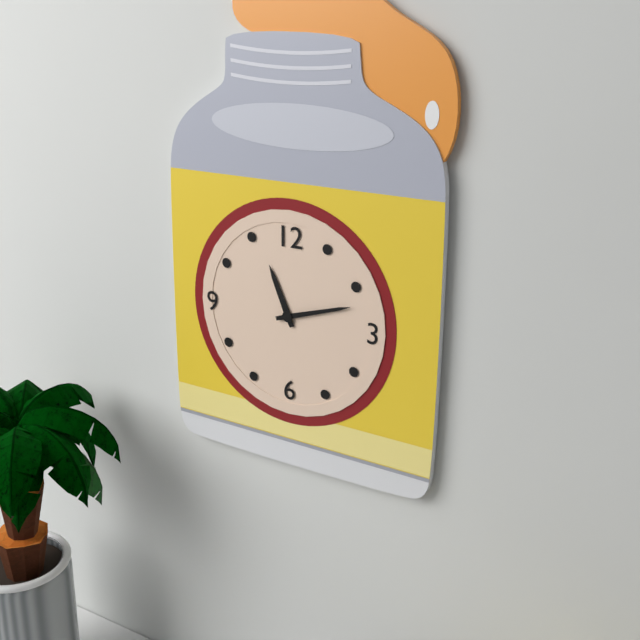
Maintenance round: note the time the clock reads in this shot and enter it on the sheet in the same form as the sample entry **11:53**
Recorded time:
**11:12**
